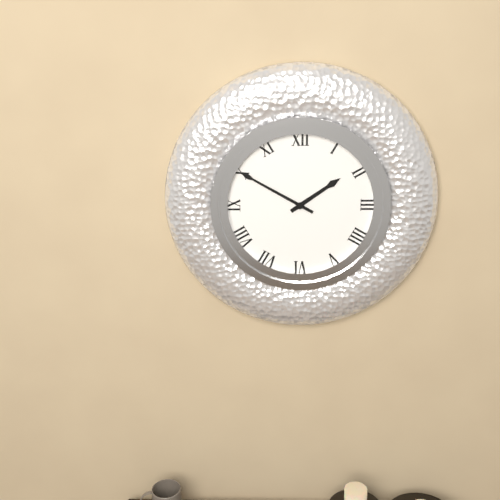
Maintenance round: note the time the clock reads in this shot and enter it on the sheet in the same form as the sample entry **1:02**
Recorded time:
**1:50**
